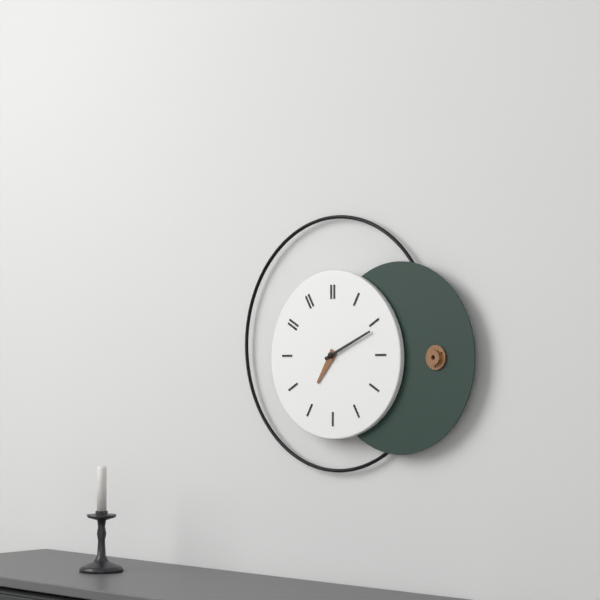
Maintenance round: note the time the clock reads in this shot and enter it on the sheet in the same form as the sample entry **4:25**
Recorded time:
**7:11**
